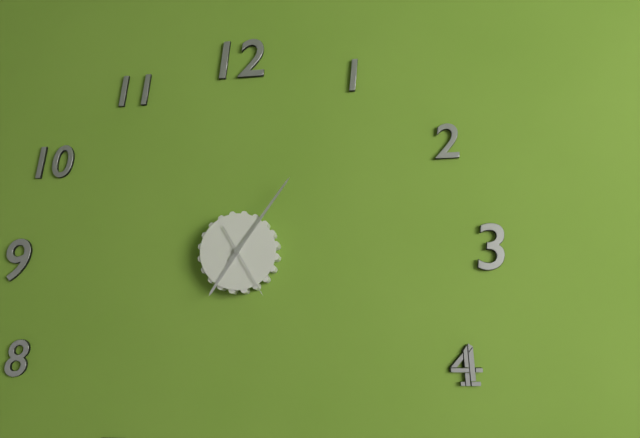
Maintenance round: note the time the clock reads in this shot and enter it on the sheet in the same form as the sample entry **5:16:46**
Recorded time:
**7:06:25**
